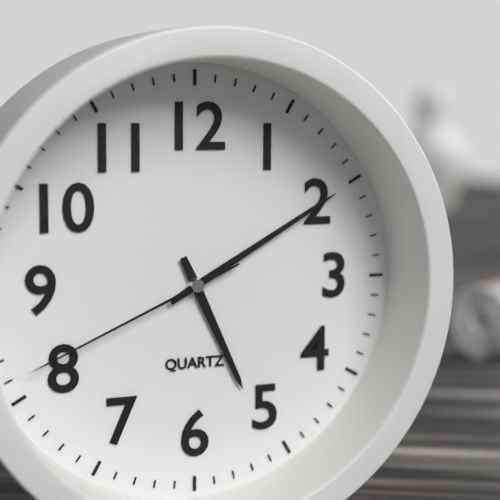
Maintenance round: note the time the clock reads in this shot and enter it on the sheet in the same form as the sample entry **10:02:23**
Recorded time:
**5:10:41**
